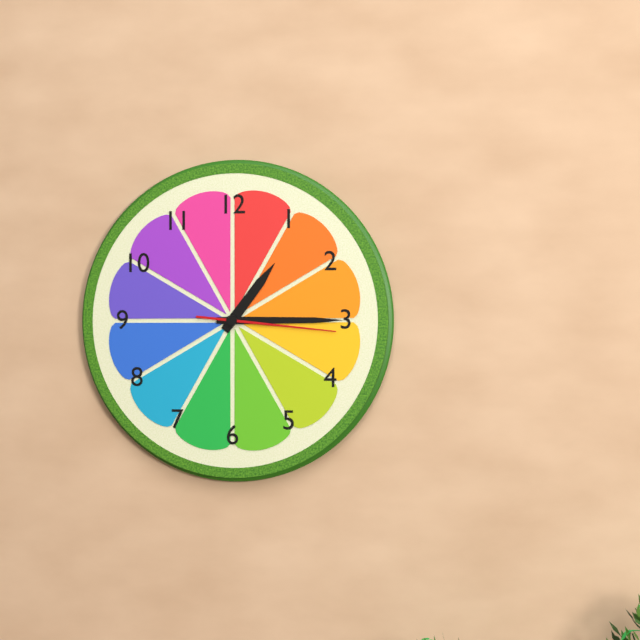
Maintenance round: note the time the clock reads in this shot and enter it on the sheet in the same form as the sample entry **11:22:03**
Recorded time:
**1:15:16**
